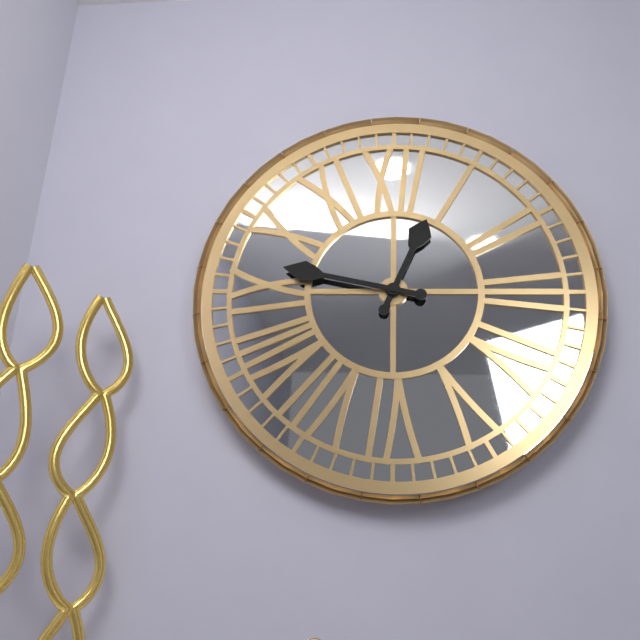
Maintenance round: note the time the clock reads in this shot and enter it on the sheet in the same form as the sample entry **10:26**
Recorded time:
**12:47**
